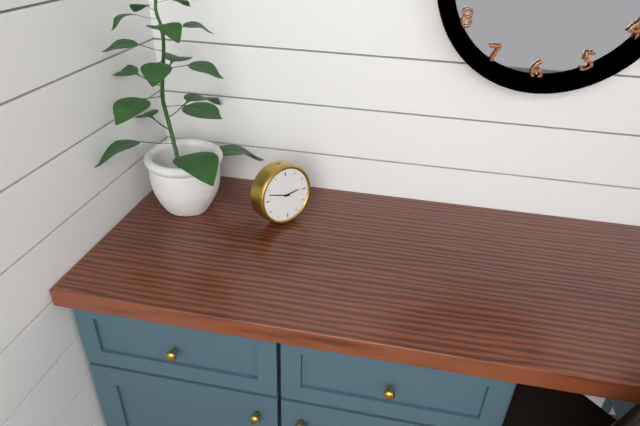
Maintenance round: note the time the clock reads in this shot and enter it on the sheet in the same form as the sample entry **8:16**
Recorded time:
**2:48**
